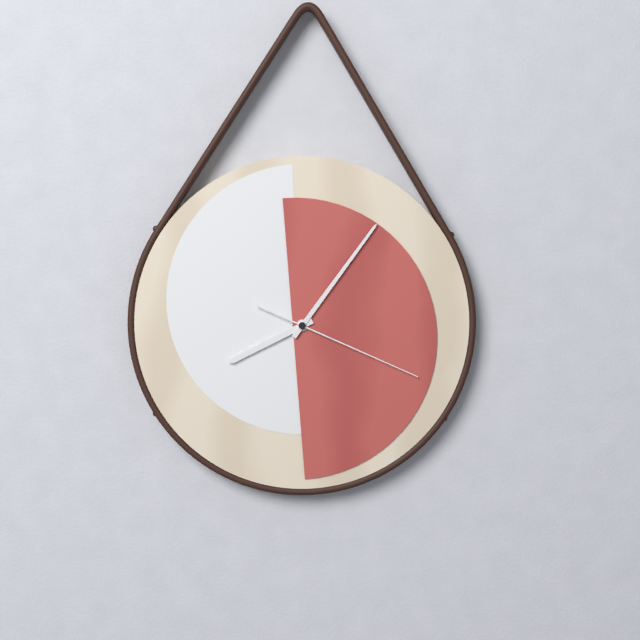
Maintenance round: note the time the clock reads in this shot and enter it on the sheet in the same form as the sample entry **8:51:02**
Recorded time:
**8:06:19**
